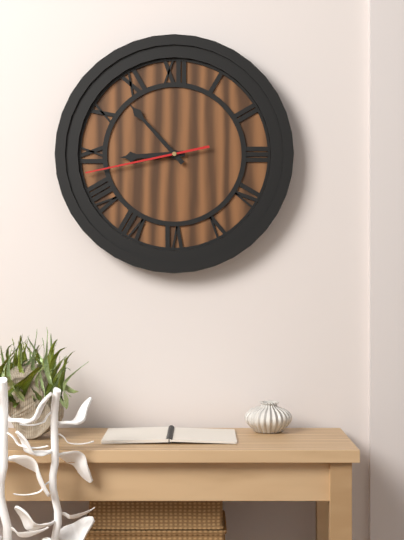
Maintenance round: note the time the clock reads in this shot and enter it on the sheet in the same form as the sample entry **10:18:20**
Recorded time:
**8:53:43**
